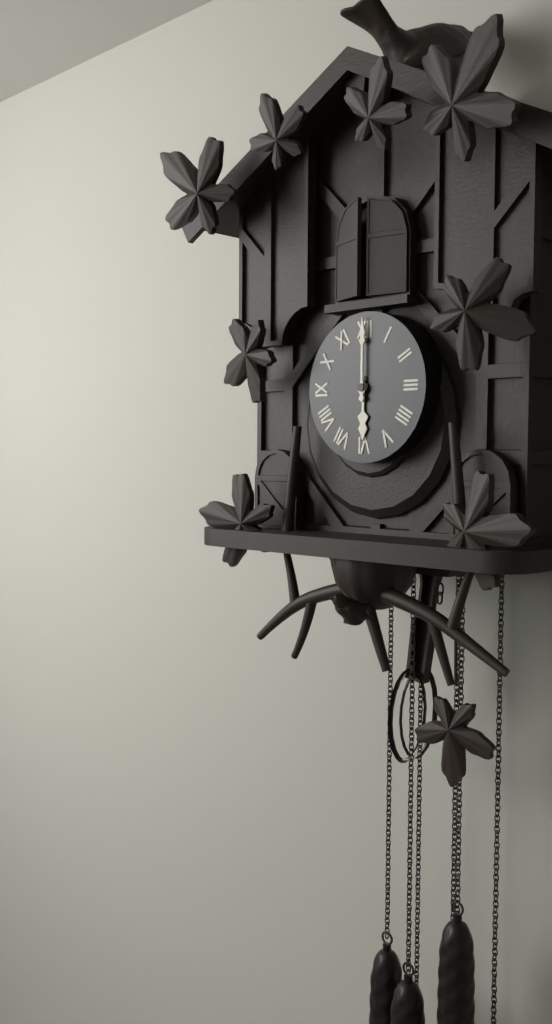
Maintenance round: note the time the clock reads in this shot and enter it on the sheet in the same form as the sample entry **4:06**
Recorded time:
**6:00**
